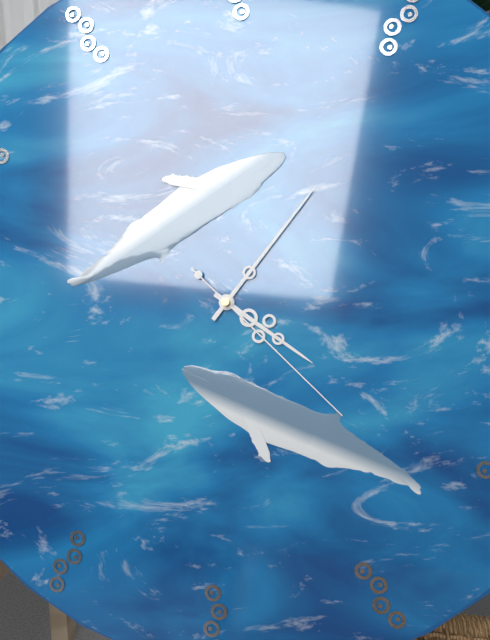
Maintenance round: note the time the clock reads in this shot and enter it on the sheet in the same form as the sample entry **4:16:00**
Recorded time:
**4:06:22**
